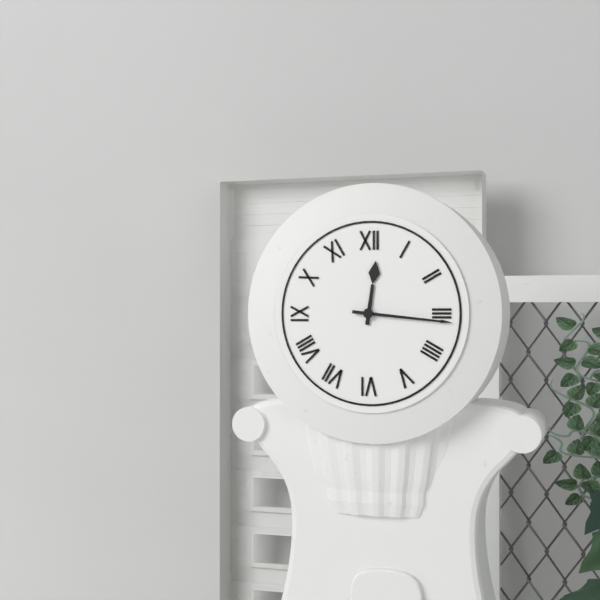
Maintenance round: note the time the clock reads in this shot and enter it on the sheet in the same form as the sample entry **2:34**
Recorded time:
**12:16**
